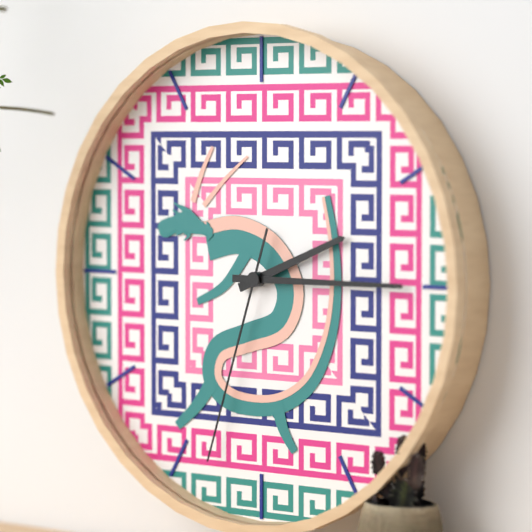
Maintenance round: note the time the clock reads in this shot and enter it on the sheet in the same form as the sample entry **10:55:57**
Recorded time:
**2:15:33**
